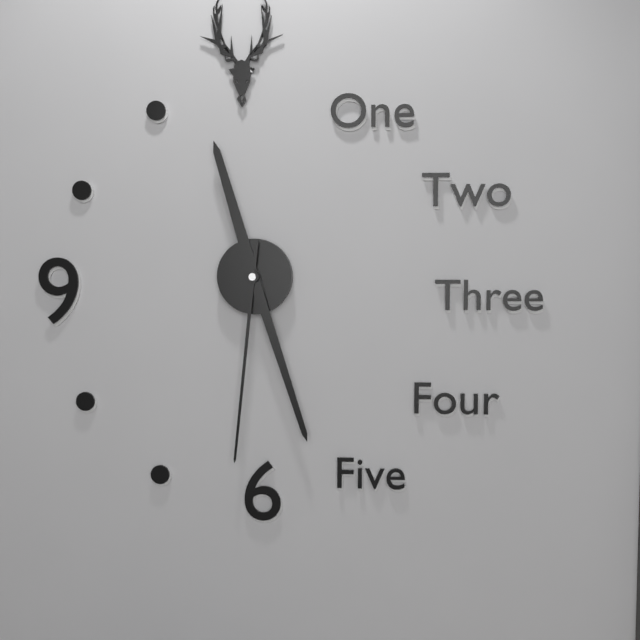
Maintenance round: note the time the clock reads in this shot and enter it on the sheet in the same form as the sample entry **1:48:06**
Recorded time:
**11:27:31**
